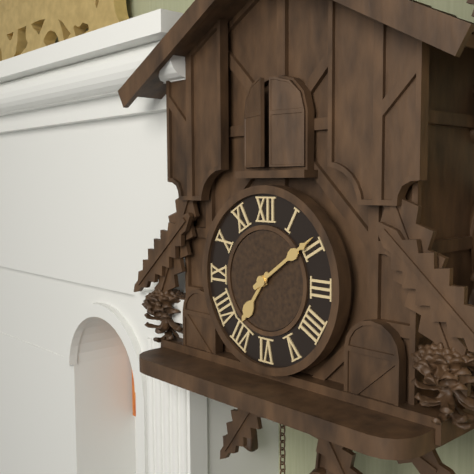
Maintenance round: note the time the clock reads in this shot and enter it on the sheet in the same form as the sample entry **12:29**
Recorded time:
**7:09**
